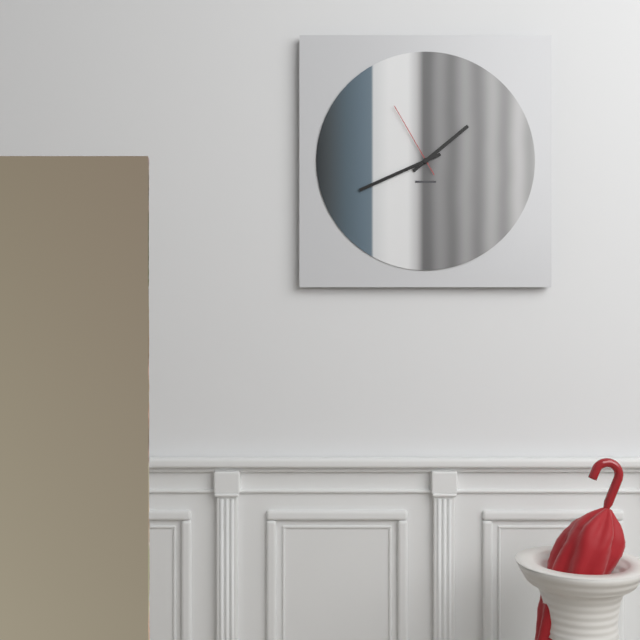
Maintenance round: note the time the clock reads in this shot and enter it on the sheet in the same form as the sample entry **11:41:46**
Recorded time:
**1:41:55**
